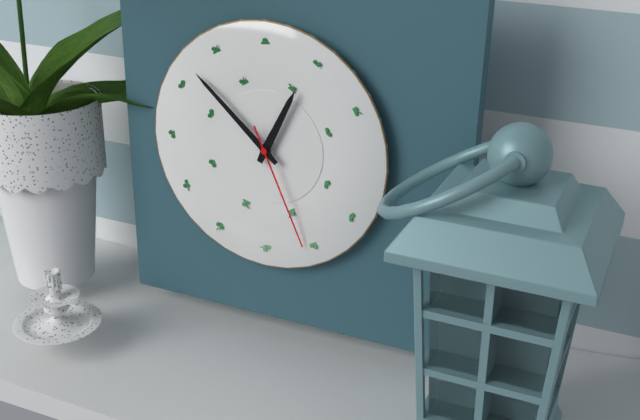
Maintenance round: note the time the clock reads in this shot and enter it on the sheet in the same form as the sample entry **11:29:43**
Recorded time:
**12:52:26**
